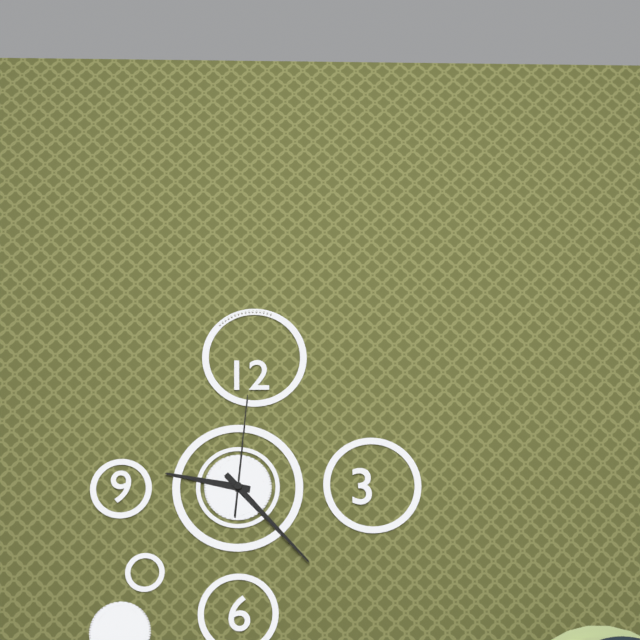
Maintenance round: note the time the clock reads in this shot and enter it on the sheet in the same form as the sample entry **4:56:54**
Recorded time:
**9:23:01**
